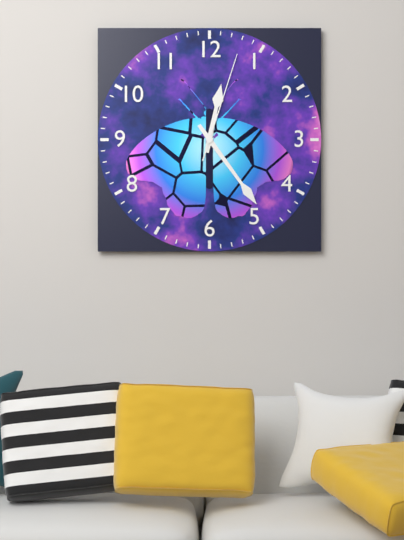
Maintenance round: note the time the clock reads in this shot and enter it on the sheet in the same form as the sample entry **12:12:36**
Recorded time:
**12:24:03**
